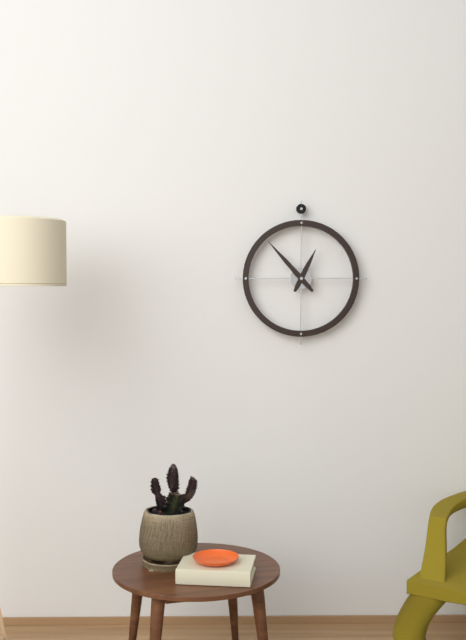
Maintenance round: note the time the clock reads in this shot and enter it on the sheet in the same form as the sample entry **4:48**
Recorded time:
**12:53**
